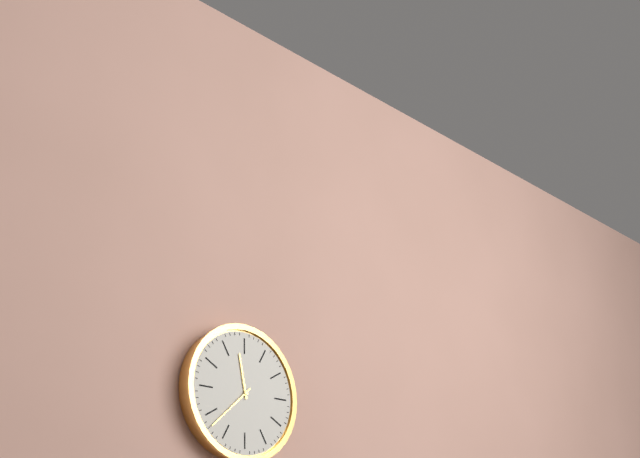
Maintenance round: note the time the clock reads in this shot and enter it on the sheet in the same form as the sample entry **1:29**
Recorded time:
**11:38**
